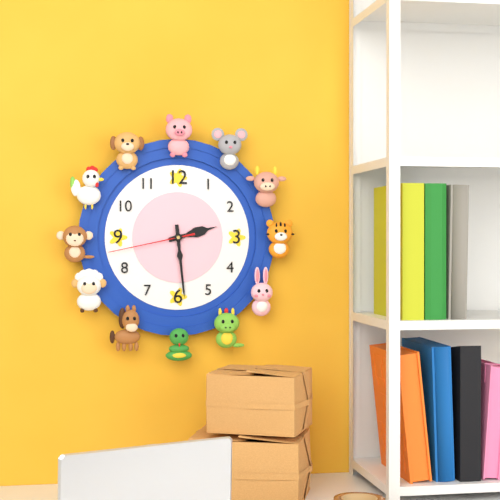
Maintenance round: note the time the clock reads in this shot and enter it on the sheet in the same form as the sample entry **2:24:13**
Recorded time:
**2:29:43**
